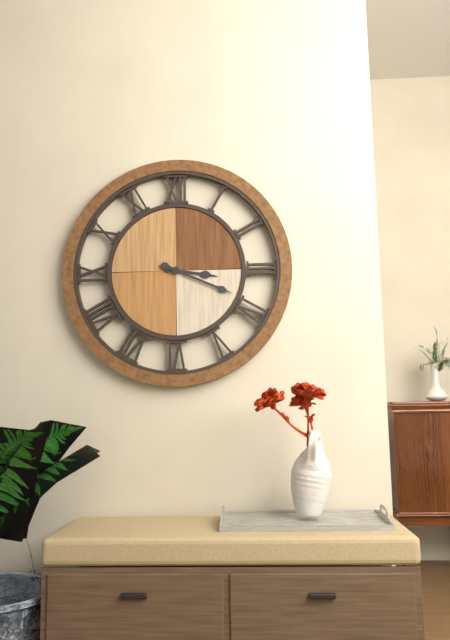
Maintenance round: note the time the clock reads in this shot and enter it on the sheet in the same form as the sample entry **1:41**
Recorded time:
**3:19**
